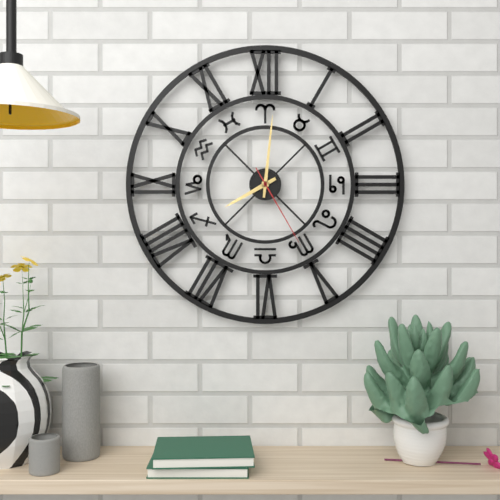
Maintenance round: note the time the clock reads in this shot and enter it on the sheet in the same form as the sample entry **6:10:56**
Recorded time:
**8:01:25**
